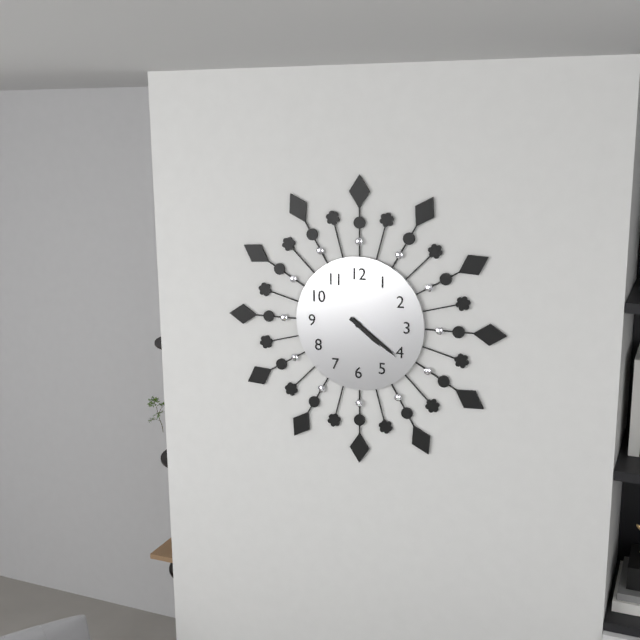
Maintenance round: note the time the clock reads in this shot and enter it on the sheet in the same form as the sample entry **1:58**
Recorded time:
**4:21**
